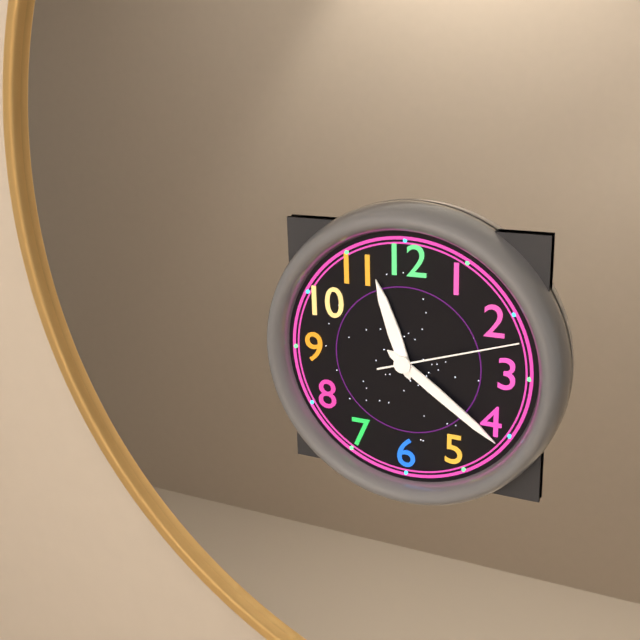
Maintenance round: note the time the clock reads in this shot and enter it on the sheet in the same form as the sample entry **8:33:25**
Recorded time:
**11:21:12**
